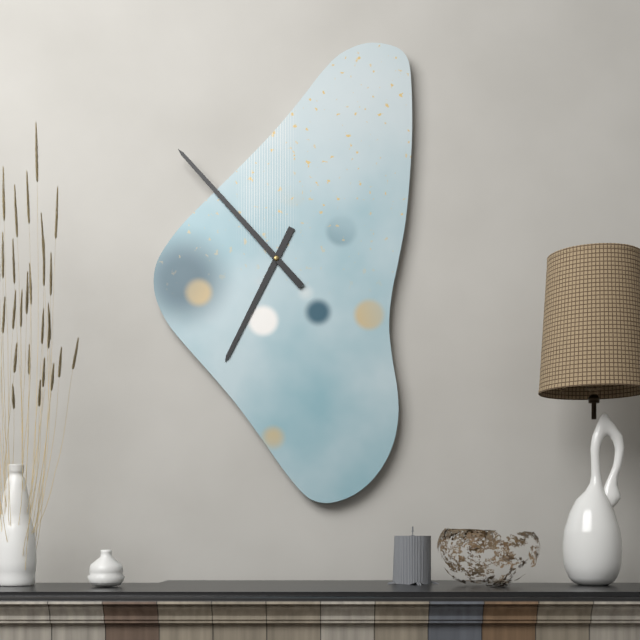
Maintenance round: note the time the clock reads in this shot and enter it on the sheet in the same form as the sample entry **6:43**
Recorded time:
**6:53**
